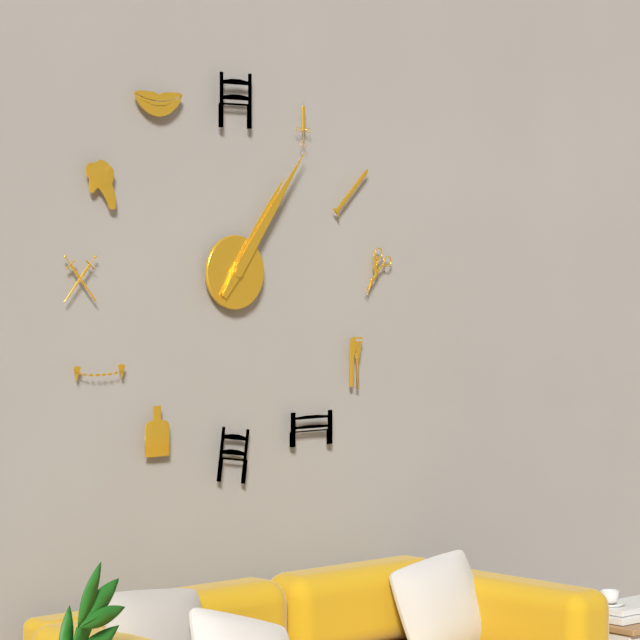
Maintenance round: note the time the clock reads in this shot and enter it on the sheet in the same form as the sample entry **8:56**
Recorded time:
**1:06**
